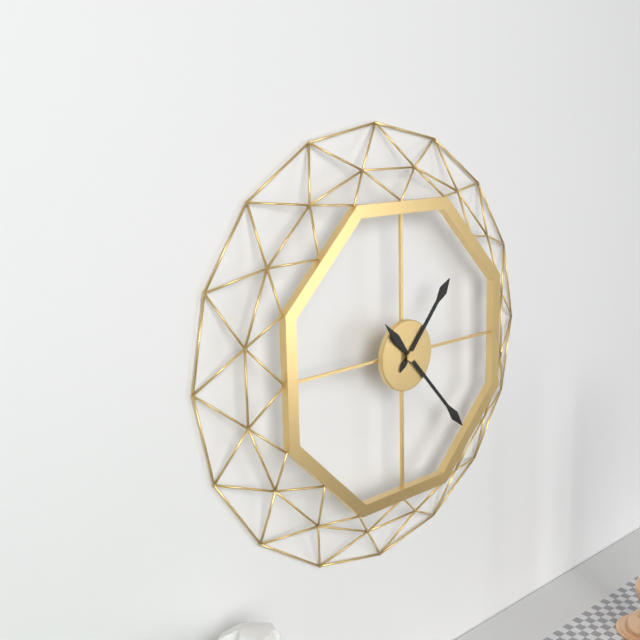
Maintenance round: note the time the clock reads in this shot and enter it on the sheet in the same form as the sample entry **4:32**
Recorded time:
**1:23**
